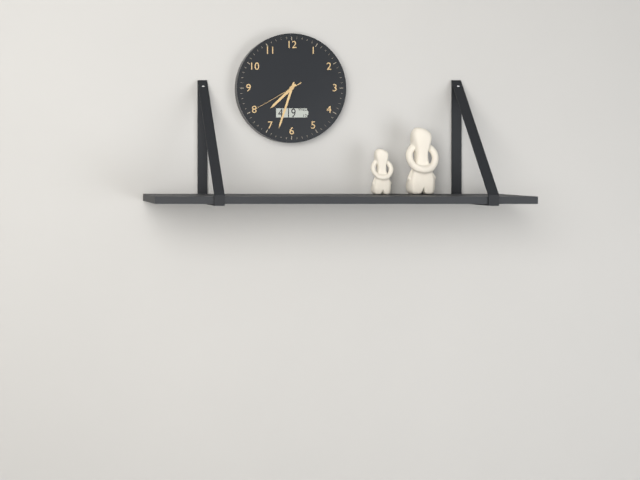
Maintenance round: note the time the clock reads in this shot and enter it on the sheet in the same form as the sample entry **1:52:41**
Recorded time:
**7:33:40**
